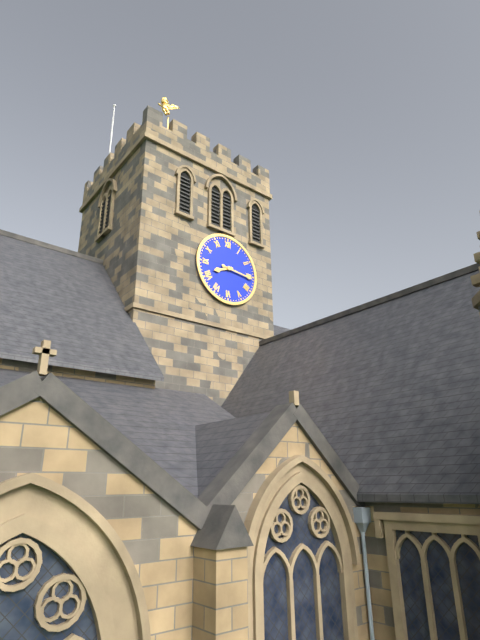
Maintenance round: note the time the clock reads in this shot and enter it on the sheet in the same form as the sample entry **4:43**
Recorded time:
**8:16**
